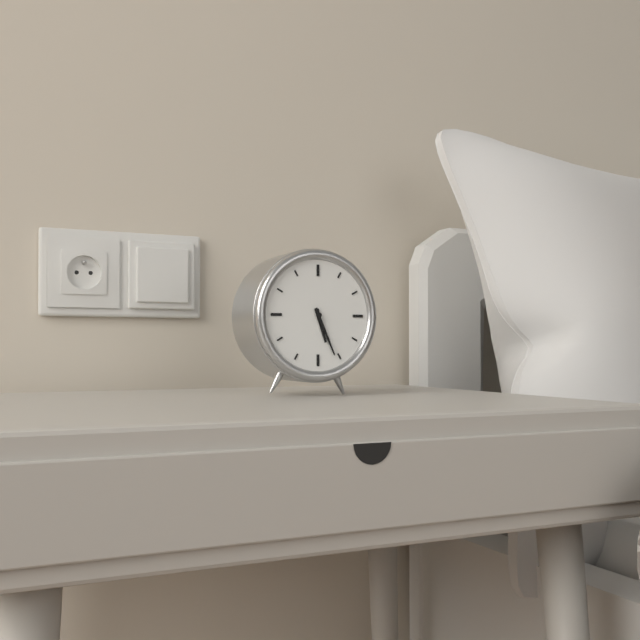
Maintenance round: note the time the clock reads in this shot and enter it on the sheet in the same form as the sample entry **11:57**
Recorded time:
**5:26**
